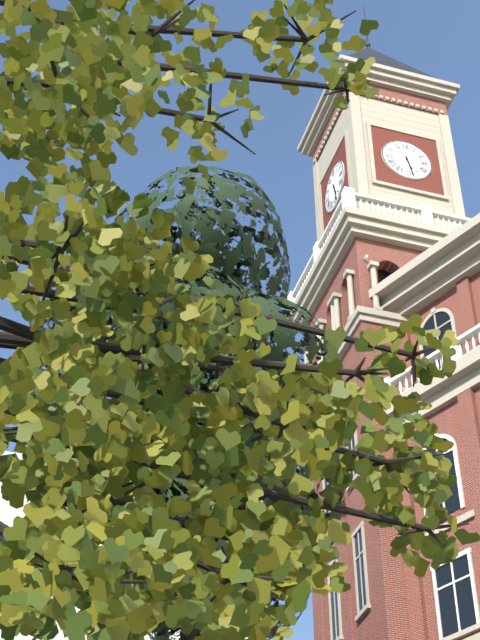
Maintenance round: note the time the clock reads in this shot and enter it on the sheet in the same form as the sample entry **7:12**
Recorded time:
**5:28**
